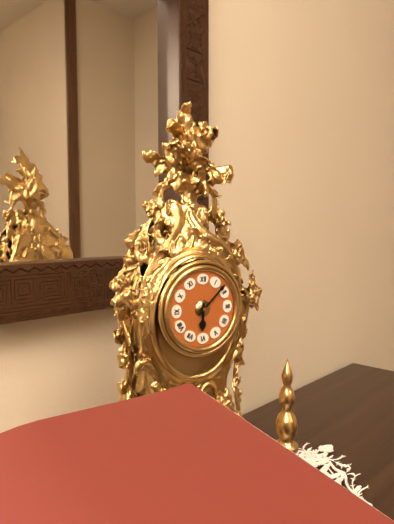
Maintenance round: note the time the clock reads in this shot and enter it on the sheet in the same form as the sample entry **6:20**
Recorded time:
**6:08**
